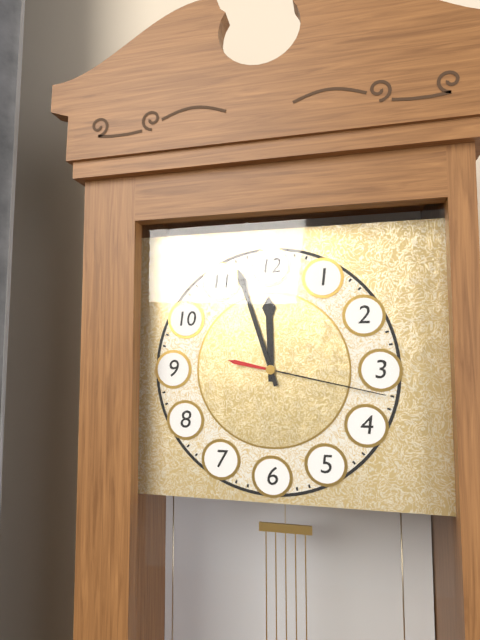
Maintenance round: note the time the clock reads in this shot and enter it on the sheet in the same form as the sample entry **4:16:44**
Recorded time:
**11:57:17**
